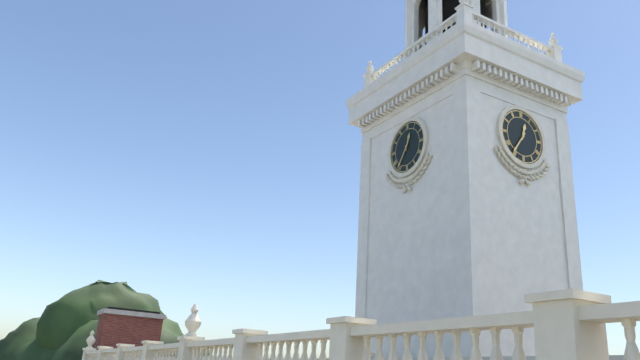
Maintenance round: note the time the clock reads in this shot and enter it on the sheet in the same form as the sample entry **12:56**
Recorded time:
**12:36**
